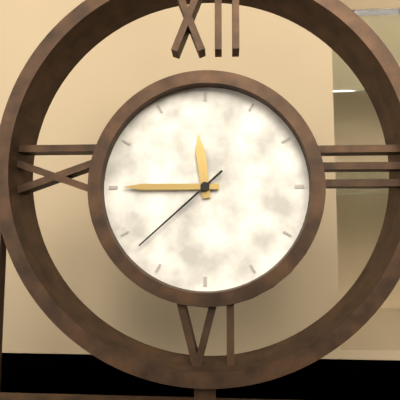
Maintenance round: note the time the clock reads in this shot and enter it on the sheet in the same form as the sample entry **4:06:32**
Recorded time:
**11:45:38**
